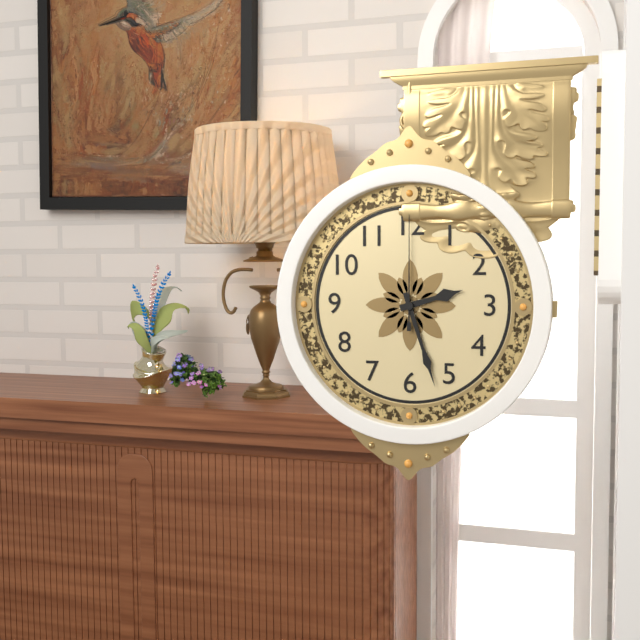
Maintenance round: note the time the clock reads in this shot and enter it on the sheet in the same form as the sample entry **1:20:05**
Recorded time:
**2:27:00**
